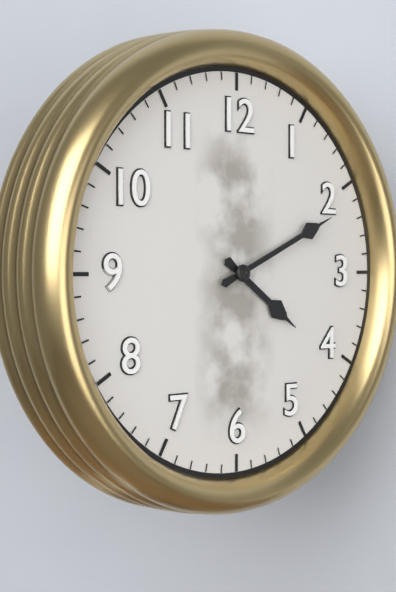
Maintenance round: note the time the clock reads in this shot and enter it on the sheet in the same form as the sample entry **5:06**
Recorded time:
**4:11**
